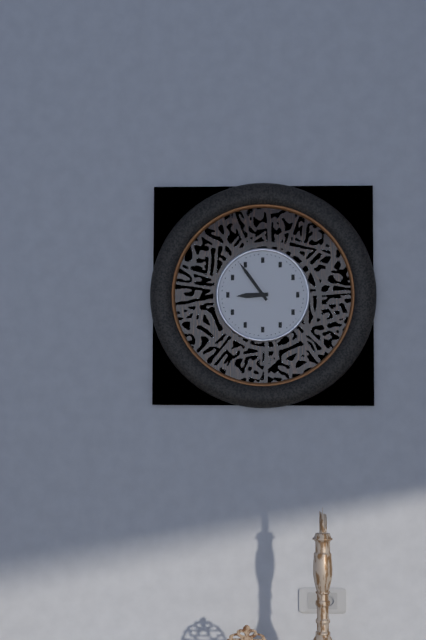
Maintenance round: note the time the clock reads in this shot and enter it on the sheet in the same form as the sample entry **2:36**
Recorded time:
**8:54**
